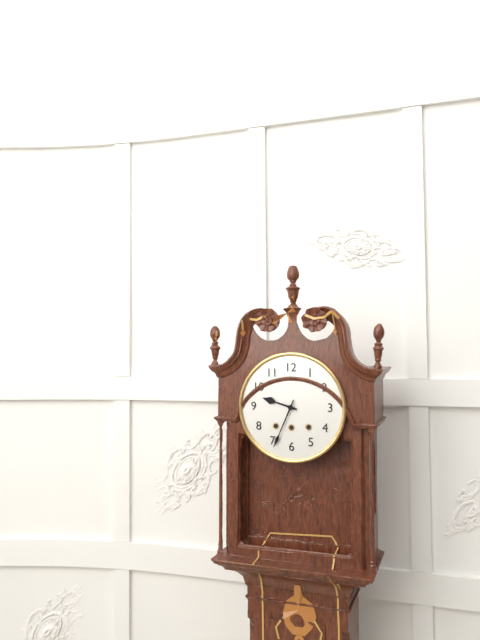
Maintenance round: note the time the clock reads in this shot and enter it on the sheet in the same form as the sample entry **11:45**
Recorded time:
**9:34**
